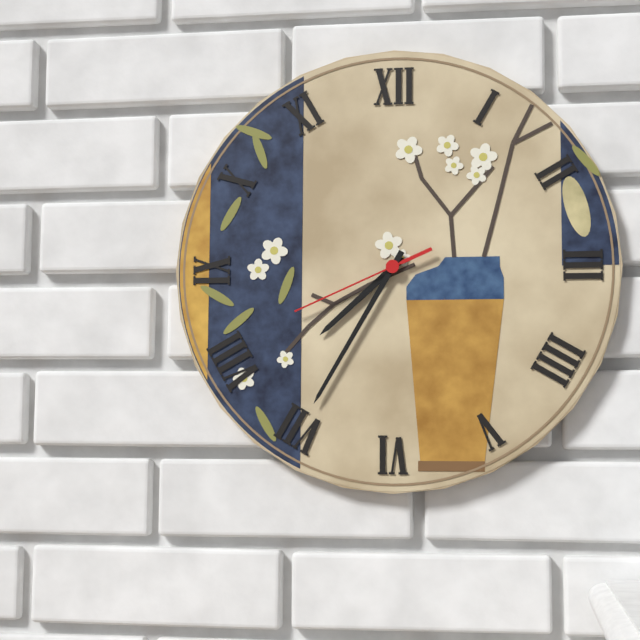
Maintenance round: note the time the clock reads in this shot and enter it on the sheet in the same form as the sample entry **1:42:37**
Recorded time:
**7:35:41**
